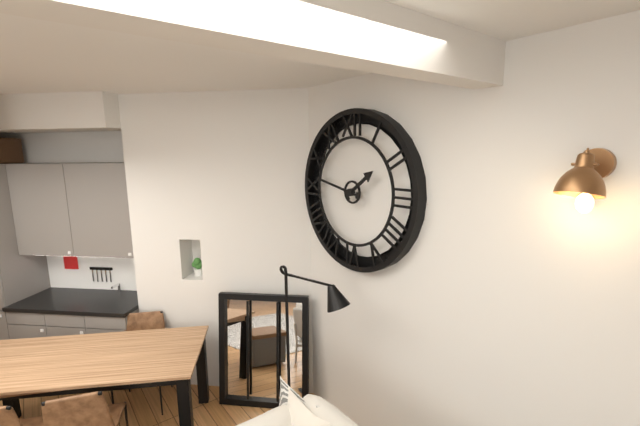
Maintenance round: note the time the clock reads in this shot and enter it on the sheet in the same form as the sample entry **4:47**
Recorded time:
**1:47**
